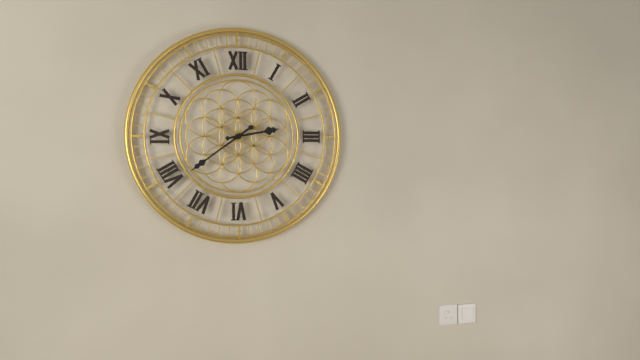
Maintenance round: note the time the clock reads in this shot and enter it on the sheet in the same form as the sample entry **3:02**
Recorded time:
**2:39**
